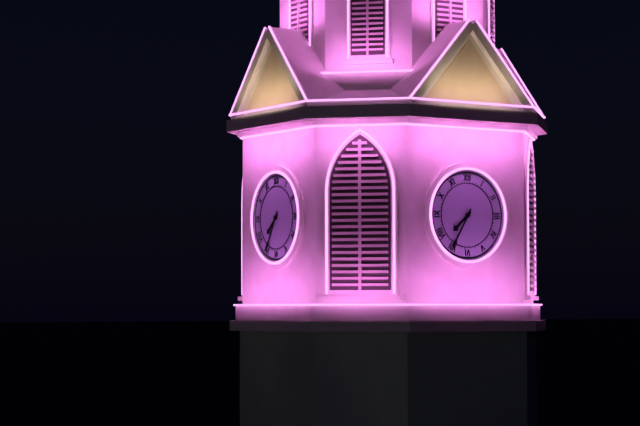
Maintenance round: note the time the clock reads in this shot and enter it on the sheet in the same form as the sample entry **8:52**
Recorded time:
**7:35**
